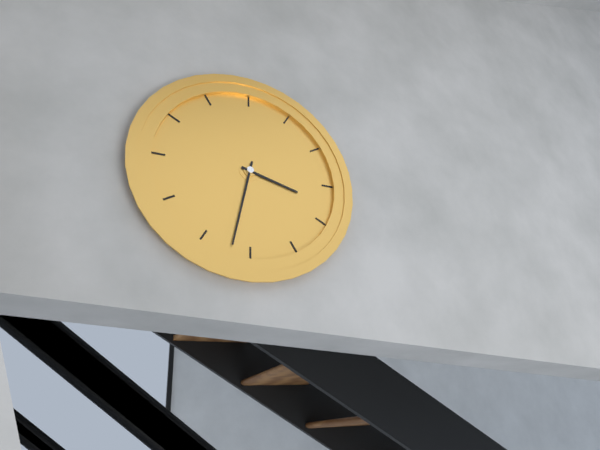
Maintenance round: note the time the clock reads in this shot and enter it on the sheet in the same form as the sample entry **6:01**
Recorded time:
**3:32**
